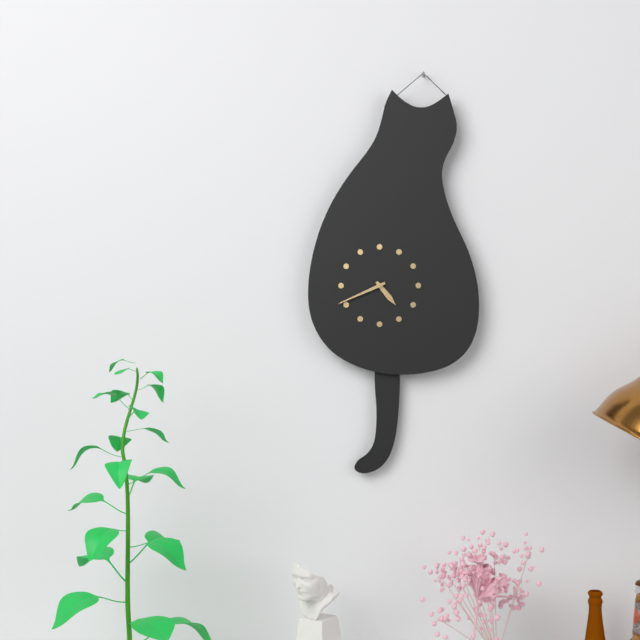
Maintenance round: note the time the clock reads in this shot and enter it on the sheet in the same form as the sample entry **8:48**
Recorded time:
**4:41**
